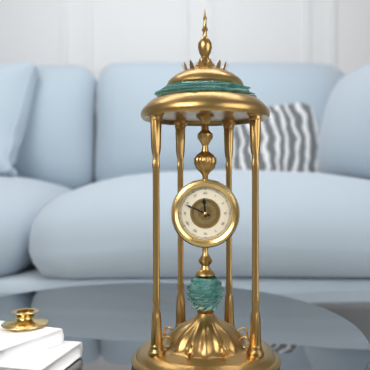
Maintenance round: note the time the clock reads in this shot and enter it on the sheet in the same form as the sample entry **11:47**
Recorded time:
**11:49**
